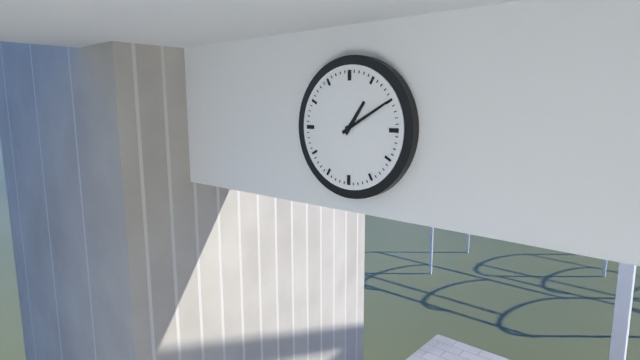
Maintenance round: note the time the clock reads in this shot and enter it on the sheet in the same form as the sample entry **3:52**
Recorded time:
**1:10**
